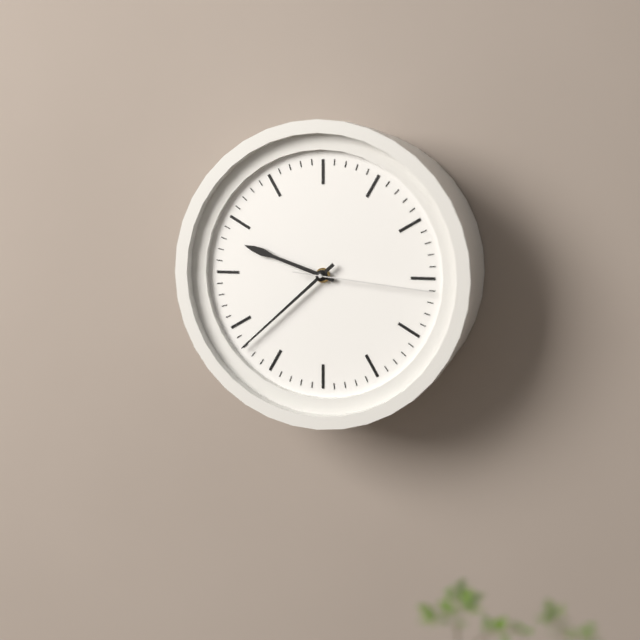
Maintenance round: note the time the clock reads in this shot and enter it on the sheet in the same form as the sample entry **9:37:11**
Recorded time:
**9:38:16**
